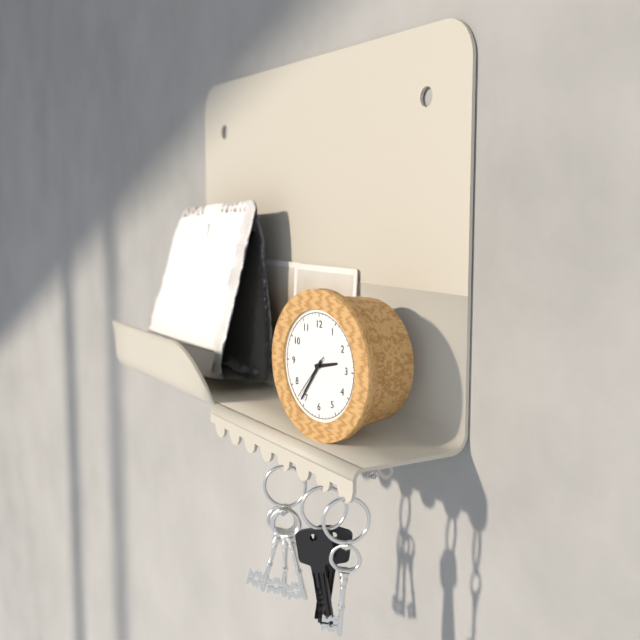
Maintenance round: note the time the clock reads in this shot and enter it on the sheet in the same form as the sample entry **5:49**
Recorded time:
**2:36**
